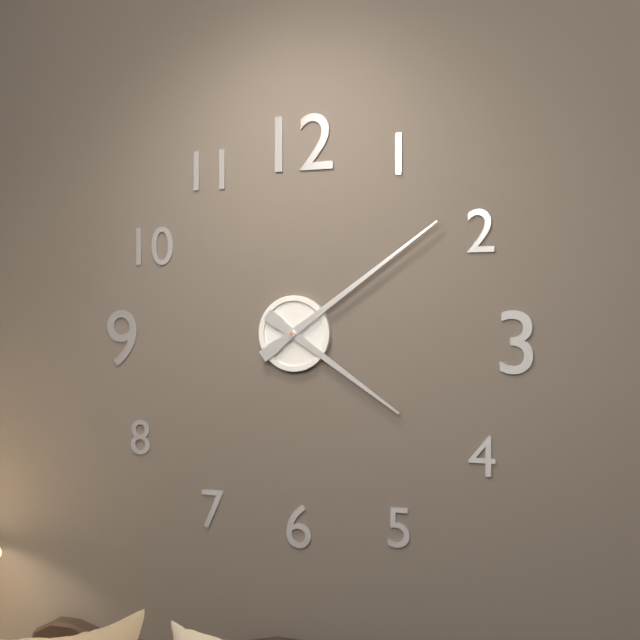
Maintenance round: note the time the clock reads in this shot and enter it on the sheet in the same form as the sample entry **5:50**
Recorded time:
**4:09**
